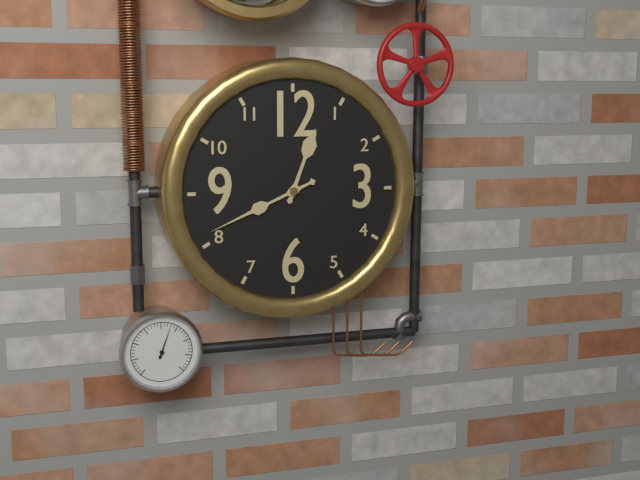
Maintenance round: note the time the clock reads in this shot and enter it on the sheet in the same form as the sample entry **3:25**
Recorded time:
**12:41**
